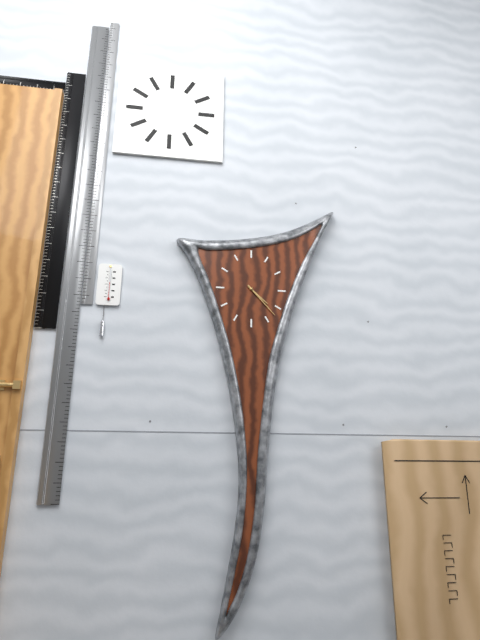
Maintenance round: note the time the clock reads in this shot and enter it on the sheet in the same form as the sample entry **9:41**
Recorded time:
**4:23**
